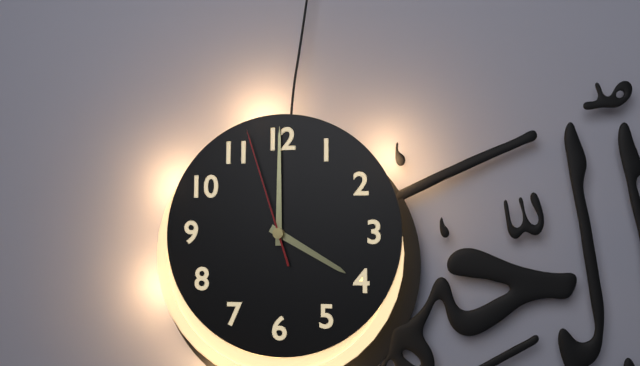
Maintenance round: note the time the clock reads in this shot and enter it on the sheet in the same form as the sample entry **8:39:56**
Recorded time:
**4:00:57**
